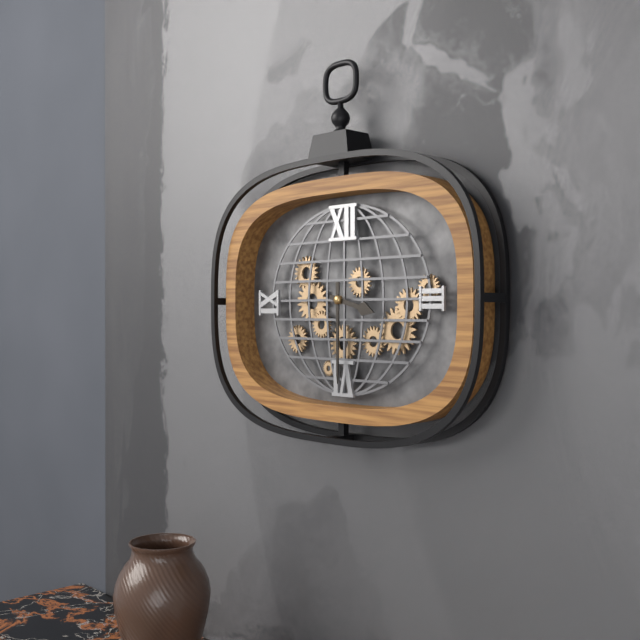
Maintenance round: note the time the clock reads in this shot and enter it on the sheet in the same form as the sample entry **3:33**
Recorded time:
**3:30**
